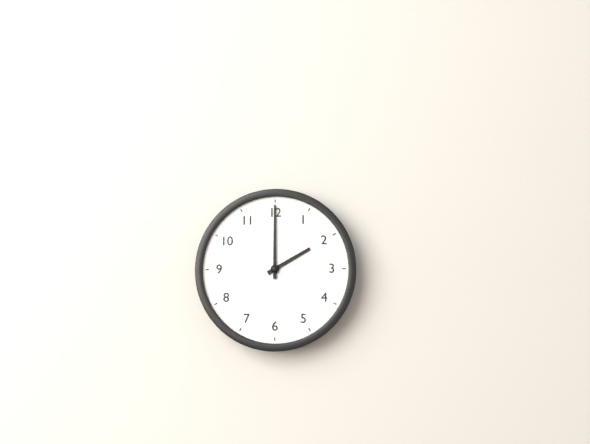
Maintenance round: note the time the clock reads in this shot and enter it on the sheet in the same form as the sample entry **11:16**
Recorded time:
**2:00**
